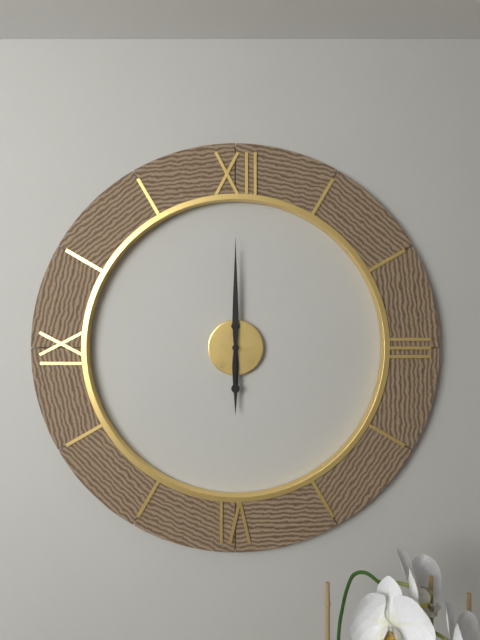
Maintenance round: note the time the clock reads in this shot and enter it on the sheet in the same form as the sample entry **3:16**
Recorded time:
**6:00**
